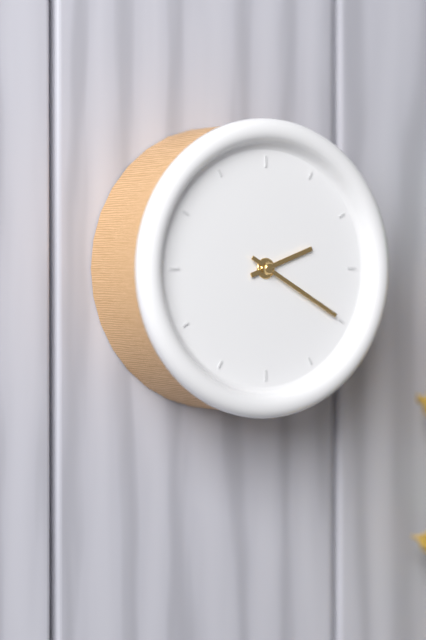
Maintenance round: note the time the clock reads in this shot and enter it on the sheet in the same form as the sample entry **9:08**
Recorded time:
**2:20**
